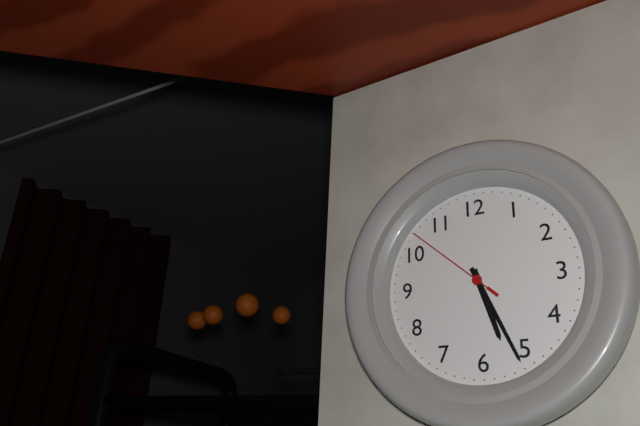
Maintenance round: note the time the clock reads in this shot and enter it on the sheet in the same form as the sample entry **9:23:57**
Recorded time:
**5:26:52**
